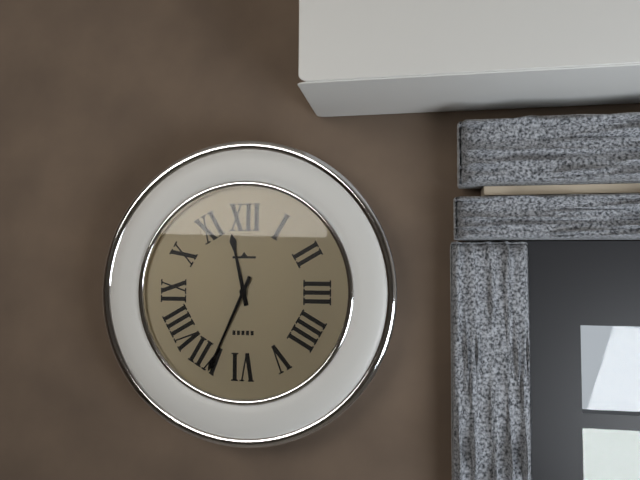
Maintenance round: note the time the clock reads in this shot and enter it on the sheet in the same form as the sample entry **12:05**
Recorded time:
**11:34**
